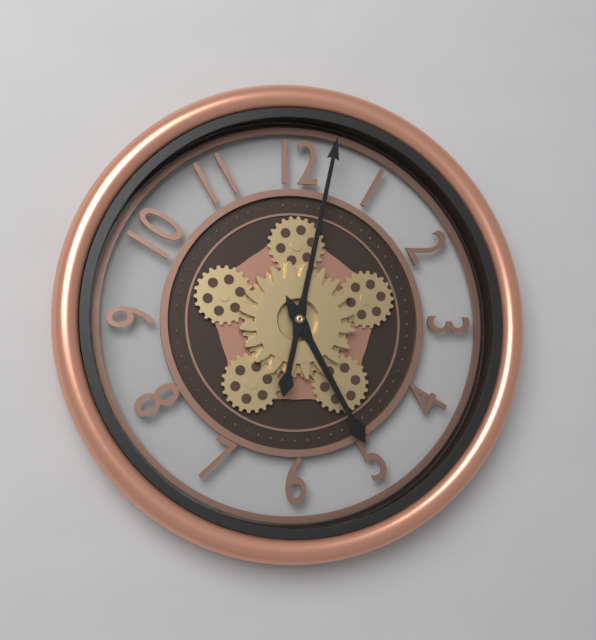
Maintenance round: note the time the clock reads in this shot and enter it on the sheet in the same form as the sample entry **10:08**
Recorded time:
**5:02**
